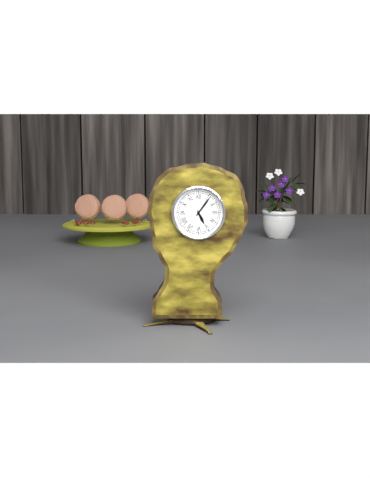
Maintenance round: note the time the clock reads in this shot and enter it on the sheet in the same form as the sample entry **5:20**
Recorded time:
**5:06**
